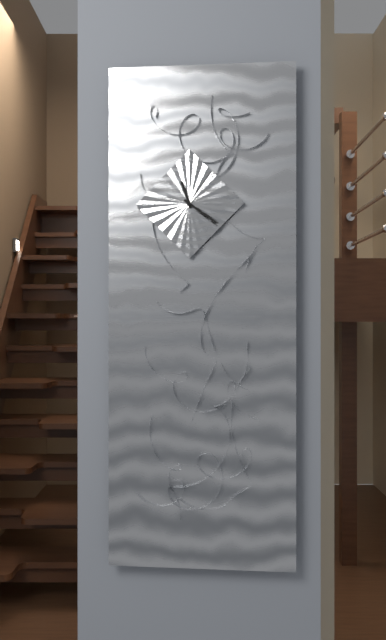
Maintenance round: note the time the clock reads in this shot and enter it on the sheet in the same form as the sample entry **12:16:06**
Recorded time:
**11:21:06**
